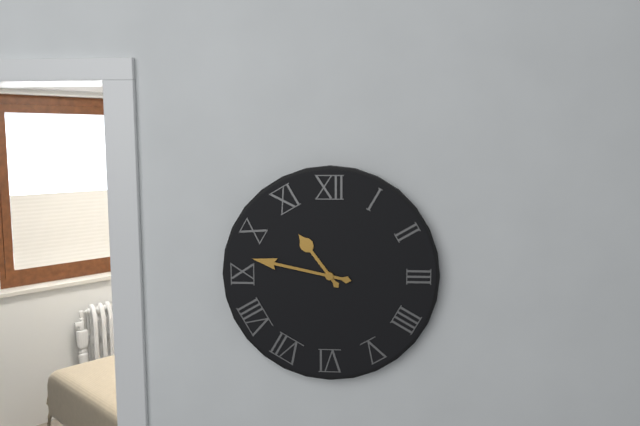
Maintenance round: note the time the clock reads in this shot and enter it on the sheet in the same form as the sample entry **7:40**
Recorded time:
**10:47**
